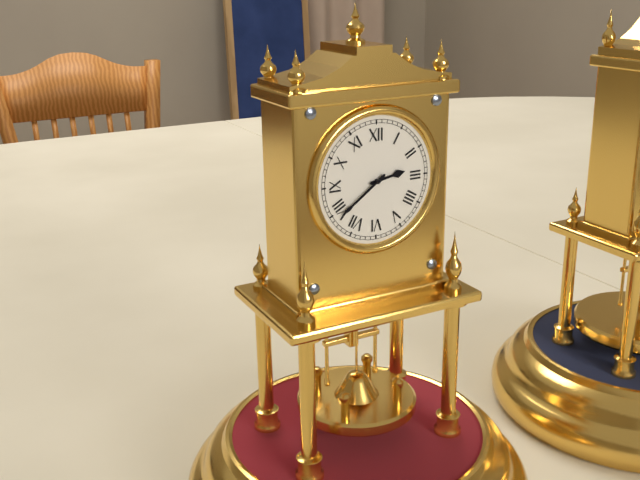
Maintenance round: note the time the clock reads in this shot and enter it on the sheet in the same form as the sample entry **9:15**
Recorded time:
**2:39**
